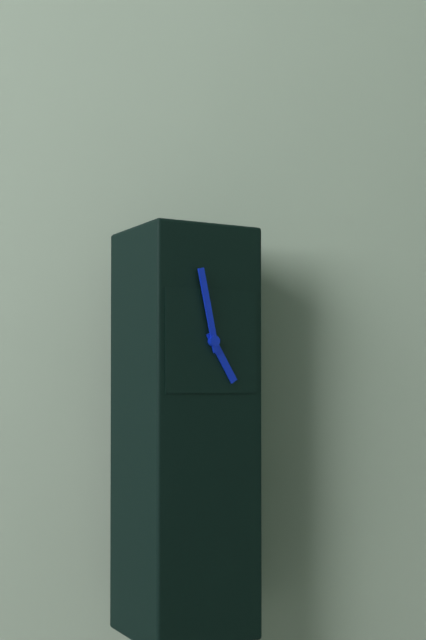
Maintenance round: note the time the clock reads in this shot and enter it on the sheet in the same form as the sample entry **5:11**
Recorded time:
**4:58**
